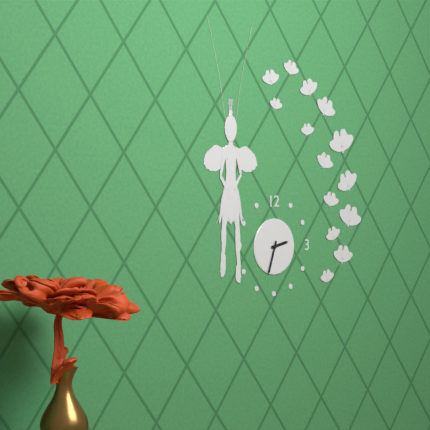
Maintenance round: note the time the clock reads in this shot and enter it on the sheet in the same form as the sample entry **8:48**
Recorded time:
**2:33**
